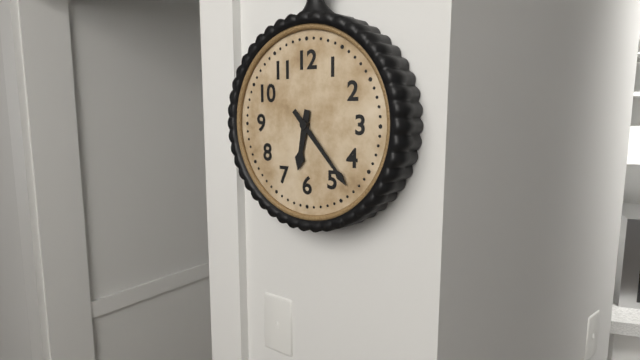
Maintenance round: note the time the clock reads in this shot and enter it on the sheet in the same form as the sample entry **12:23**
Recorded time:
**6:23**
